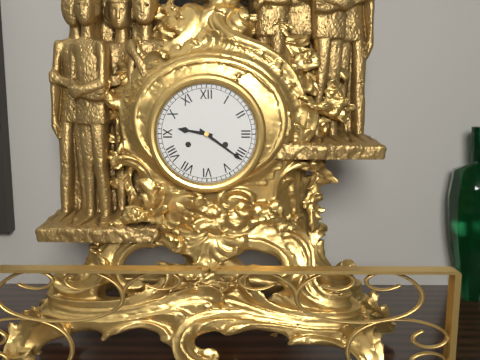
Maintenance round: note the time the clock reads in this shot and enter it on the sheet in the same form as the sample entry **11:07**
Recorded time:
**9:21**
